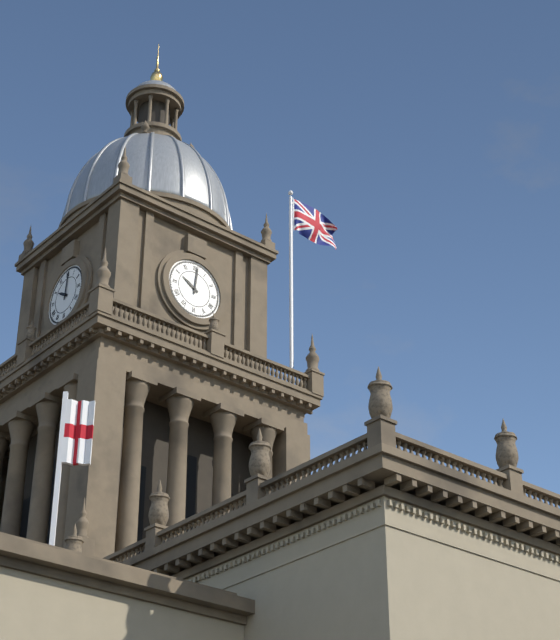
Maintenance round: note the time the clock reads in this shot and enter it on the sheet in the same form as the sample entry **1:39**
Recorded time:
**10:01**
